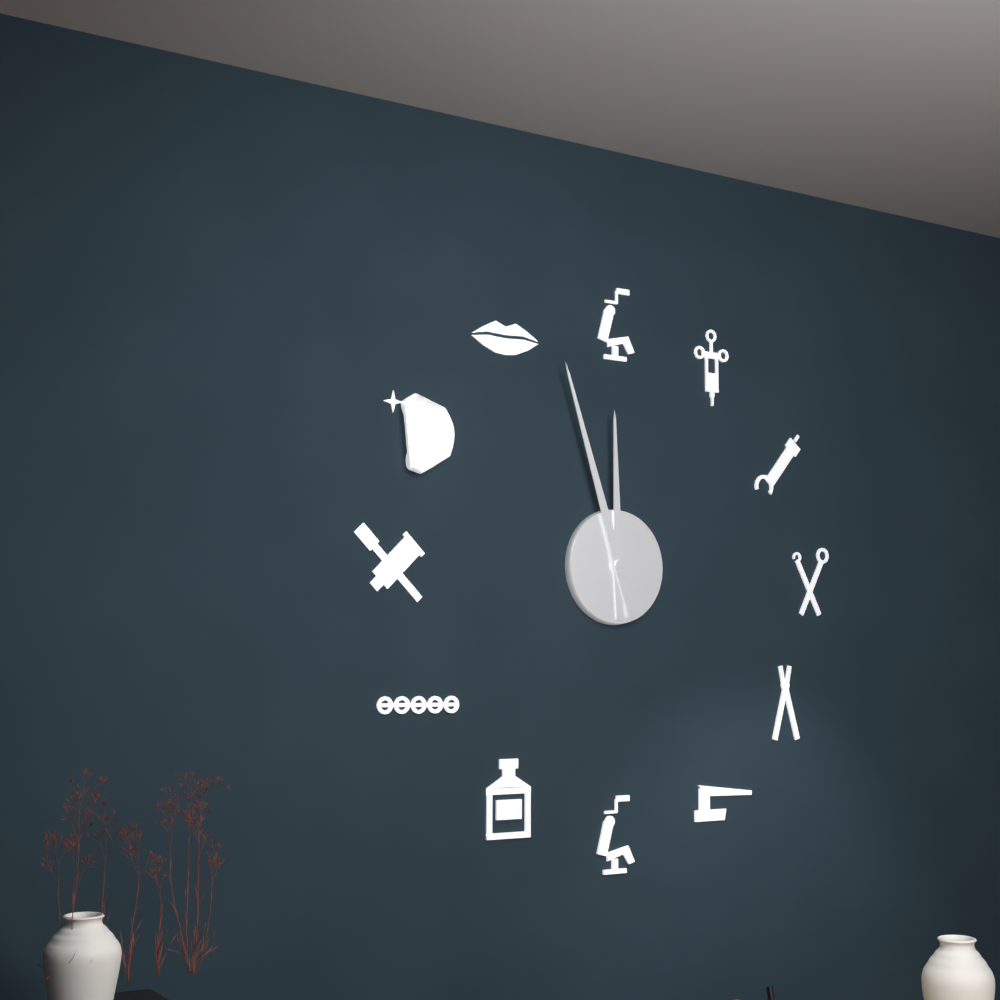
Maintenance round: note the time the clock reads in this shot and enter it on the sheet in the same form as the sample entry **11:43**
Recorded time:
**11:57**
